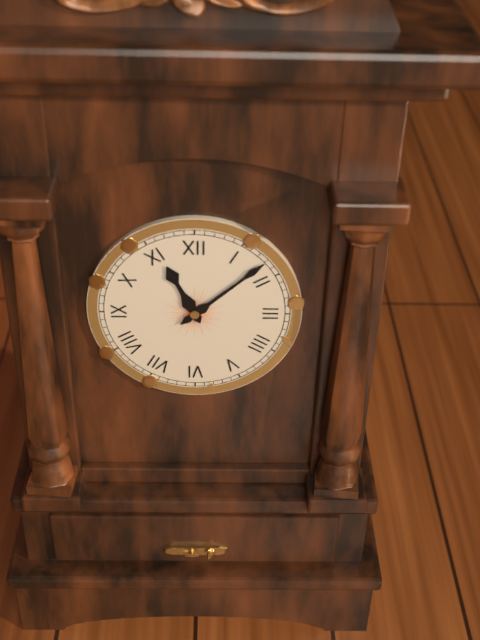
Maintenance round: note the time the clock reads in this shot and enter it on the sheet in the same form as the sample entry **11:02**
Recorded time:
**11:08**
